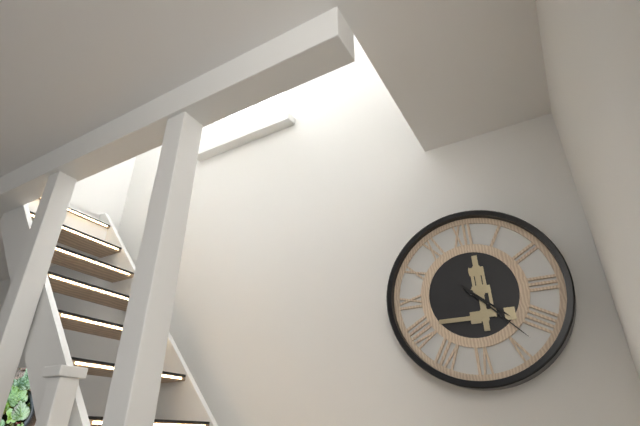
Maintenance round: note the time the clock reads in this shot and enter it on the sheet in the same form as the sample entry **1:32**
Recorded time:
**4:23**
